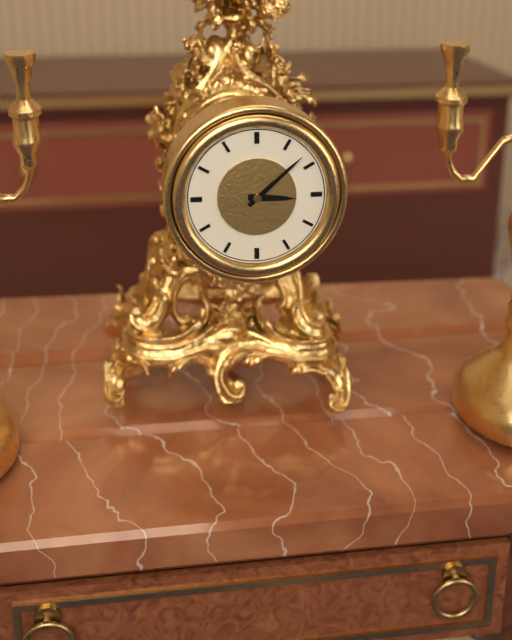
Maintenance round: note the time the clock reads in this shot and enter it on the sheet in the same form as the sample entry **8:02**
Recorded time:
**3:08**
